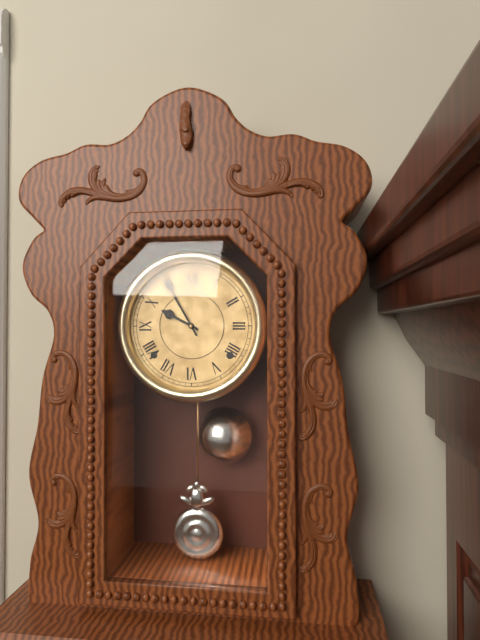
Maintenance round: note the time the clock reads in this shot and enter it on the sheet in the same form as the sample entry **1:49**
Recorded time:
**9:55**
